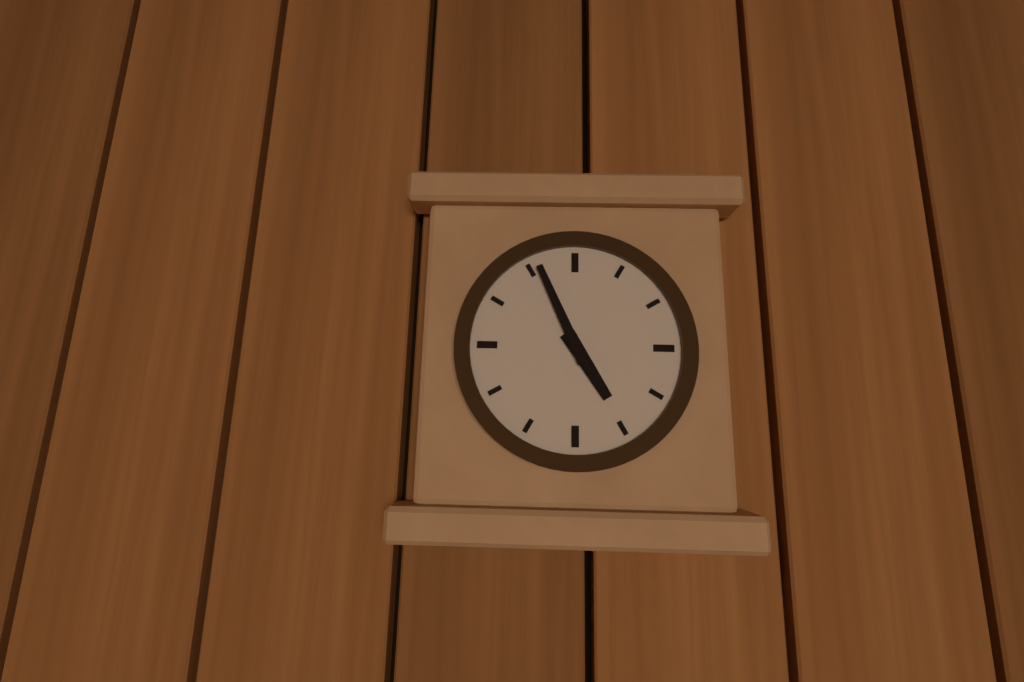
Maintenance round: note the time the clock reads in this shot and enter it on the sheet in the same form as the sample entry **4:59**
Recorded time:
**4:56**
